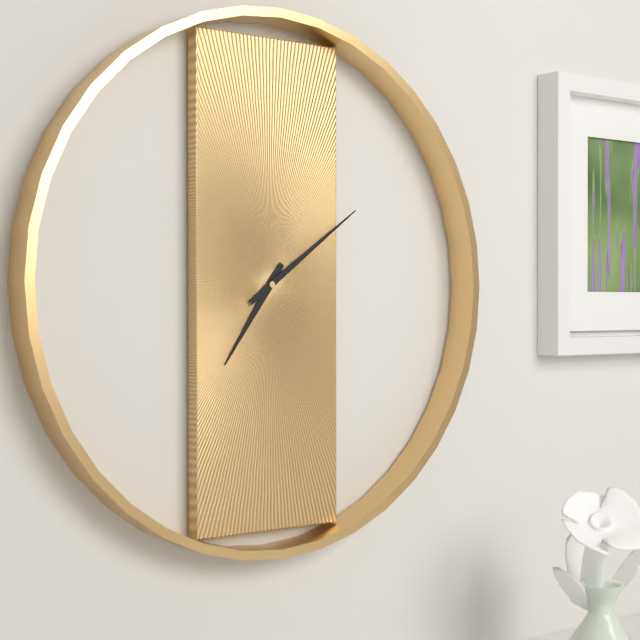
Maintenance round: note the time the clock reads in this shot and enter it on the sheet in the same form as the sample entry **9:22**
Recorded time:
**7:09**
